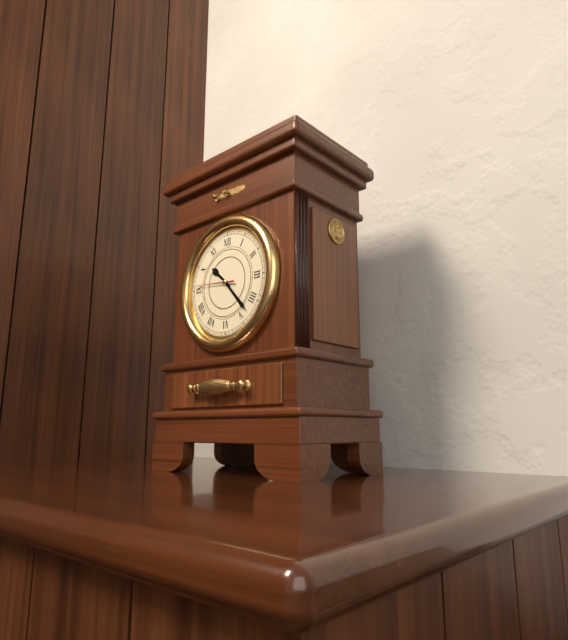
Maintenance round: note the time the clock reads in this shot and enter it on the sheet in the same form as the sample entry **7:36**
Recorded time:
**10:23**
